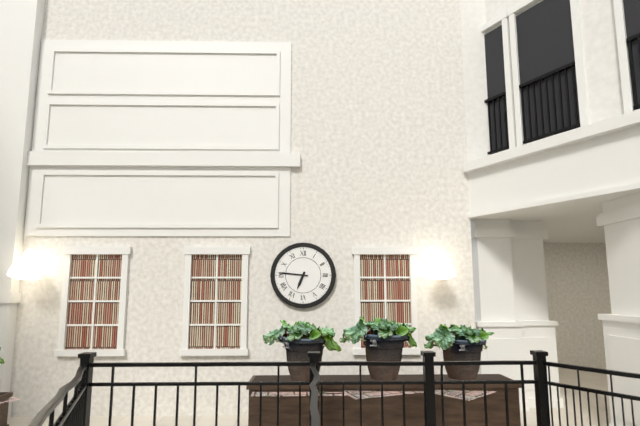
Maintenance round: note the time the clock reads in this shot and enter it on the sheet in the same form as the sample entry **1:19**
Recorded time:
**6:46**
